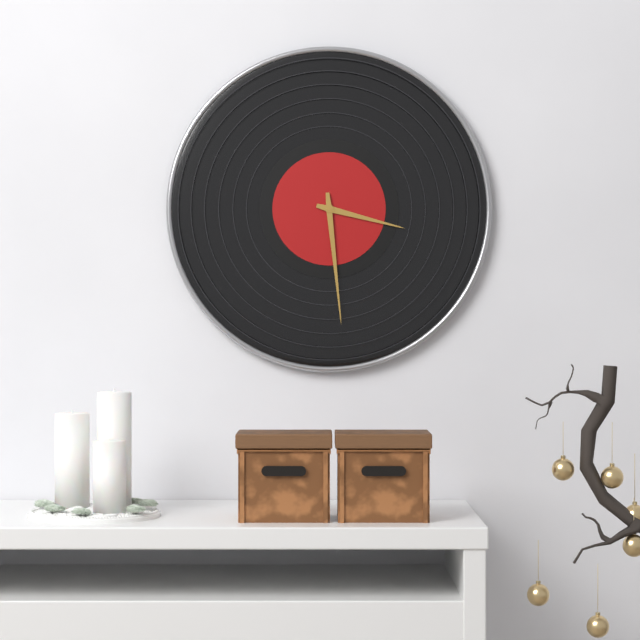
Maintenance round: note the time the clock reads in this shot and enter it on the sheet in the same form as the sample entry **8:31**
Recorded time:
**3:29**
